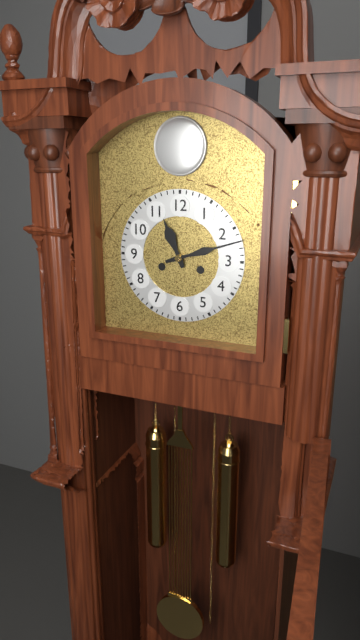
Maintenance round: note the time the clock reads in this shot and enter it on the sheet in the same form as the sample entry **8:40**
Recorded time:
**11:12**
